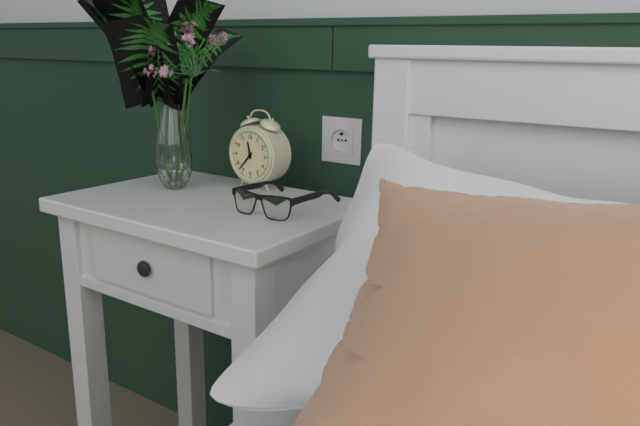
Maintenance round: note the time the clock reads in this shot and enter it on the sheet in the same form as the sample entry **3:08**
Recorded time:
**11:37**
